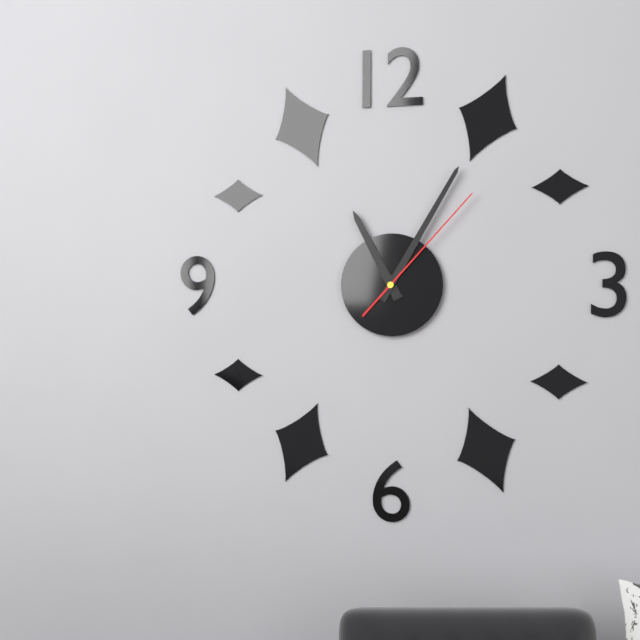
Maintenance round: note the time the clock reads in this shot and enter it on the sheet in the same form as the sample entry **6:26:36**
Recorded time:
**11:05:07**
